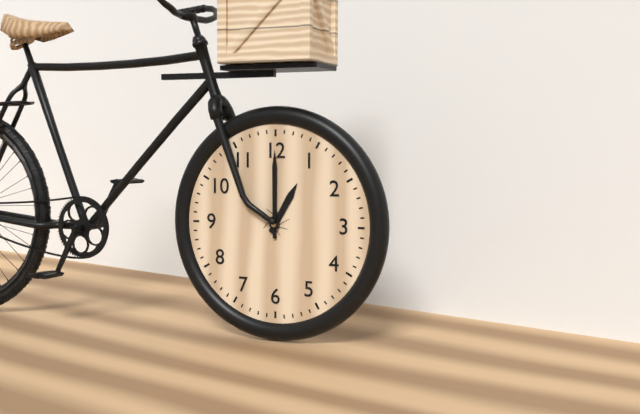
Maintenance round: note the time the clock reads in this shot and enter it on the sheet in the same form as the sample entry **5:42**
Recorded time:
**1:00**
